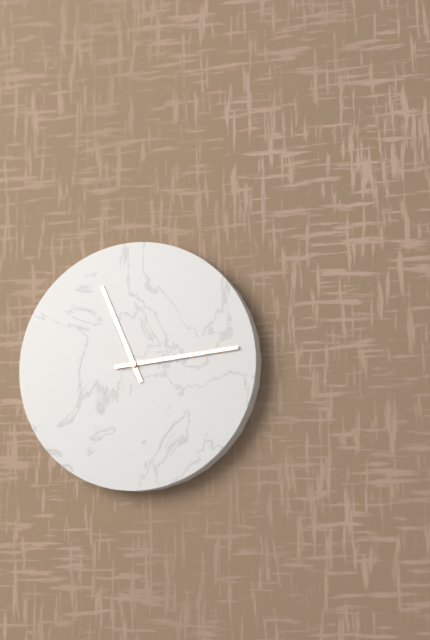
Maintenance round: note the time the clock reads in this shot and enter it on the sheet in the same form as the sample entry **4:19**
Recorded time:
**11:14**
